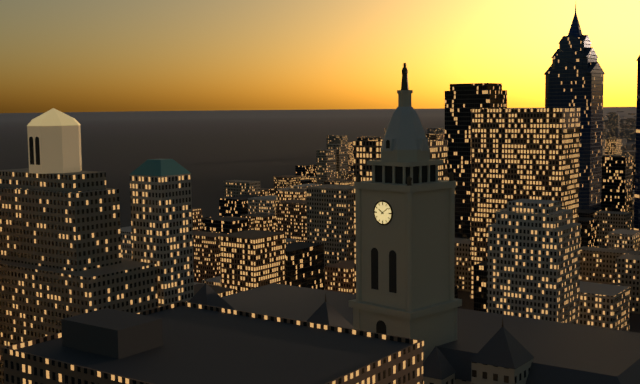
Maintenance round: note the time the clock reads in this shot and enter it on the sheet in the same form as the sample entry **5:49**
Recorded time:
**10:09**
